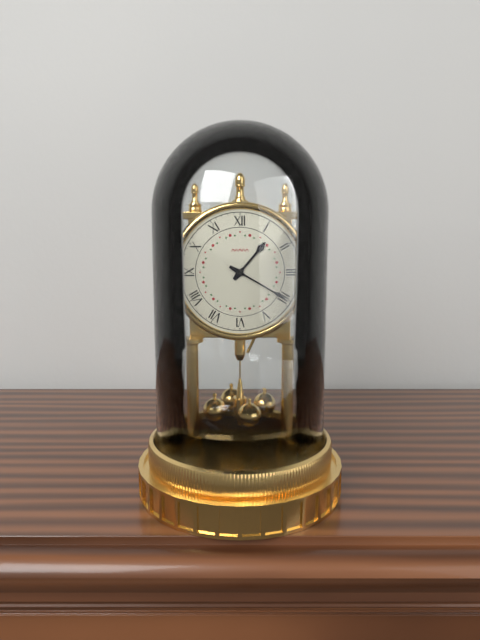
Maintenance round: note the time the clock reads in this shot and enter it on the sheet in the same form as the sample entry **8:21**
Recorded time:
**1:20**
